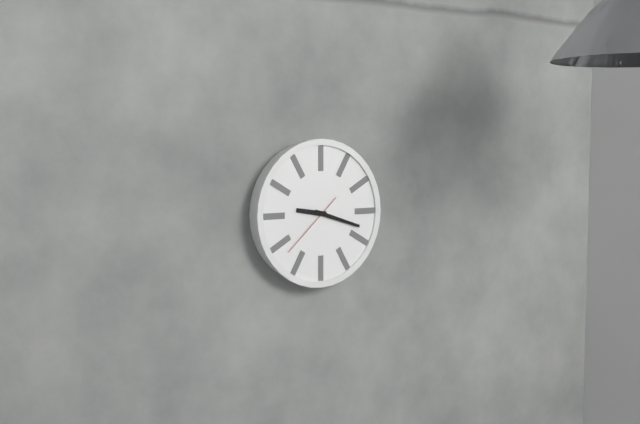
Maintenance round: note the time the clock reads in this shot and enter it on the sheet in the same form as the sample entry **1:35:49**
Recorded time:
**9:18:38**
